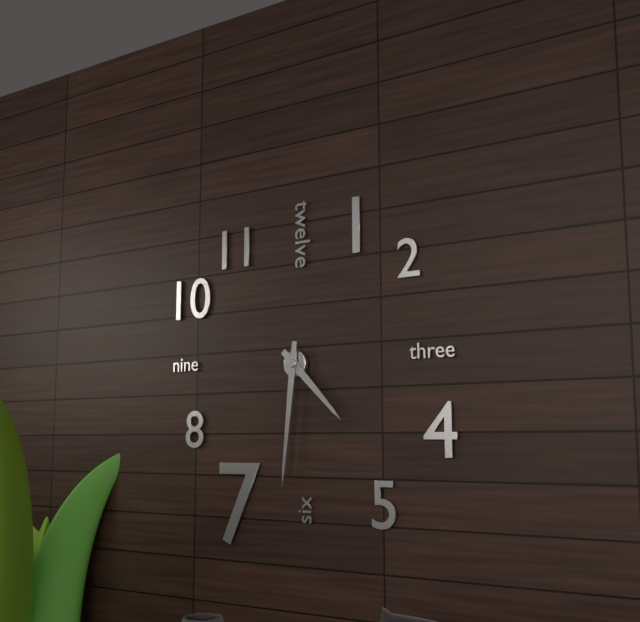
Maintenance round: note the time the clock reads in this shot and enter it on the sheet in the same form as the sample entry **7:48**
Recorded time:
**4:31**
